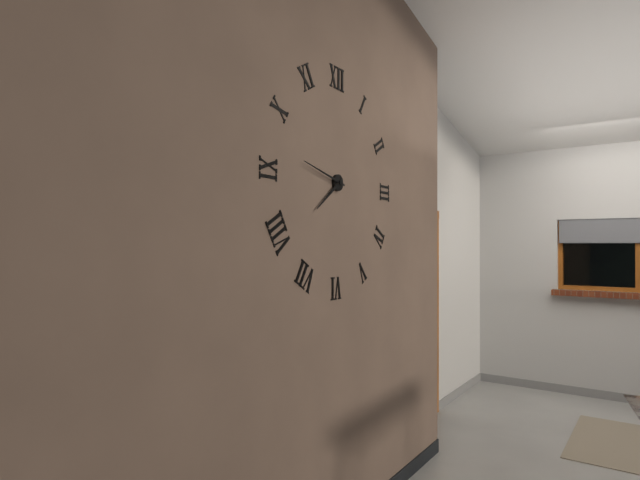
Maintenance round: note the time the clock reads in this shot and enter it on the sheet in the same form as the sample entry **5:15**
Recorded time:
**7:47**
